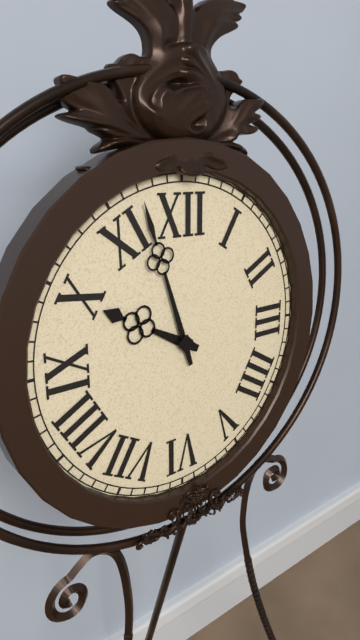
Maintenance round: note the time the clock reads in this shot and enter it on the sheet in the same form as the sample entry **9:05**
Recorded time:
**9:57**
